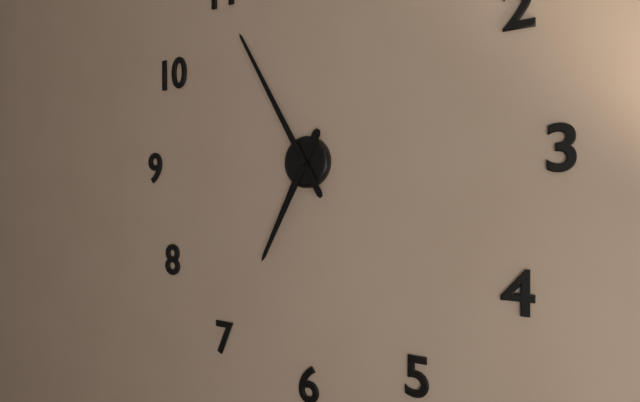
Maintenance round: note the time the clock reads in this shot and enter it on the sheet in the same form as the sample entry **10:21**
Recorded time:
**6:55**
